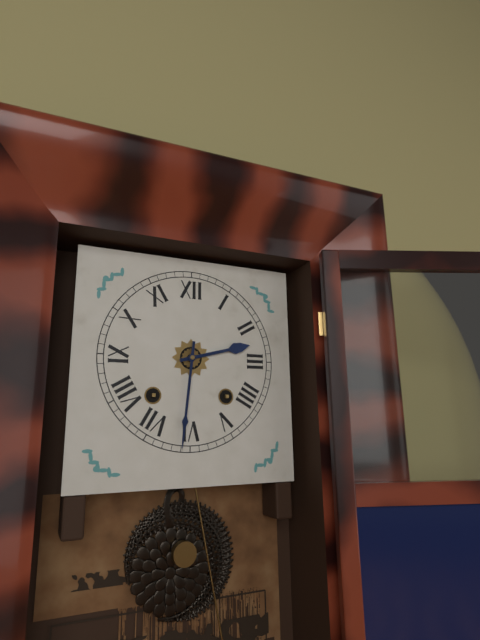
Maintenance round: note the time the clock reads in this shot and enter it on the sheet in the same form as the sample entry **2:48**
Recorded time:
**2:31**
